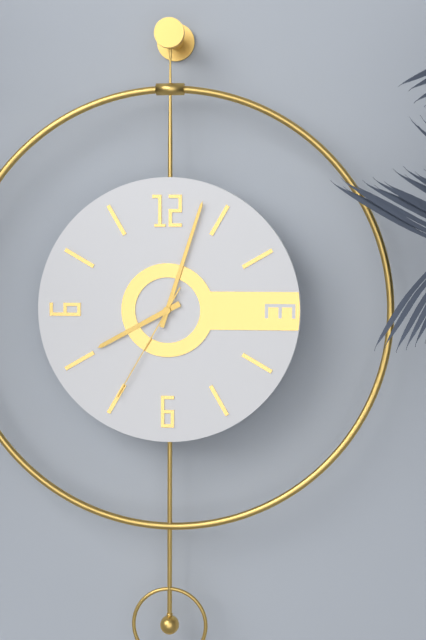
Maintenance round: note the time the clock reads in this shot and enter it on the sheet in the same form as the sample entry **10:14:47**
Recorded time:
**8:03:35**
